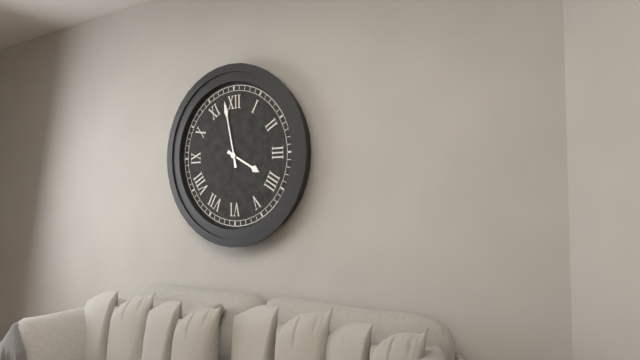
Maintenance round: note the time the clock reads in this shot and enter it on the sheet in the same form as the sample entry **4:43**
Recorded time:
**3:58**
